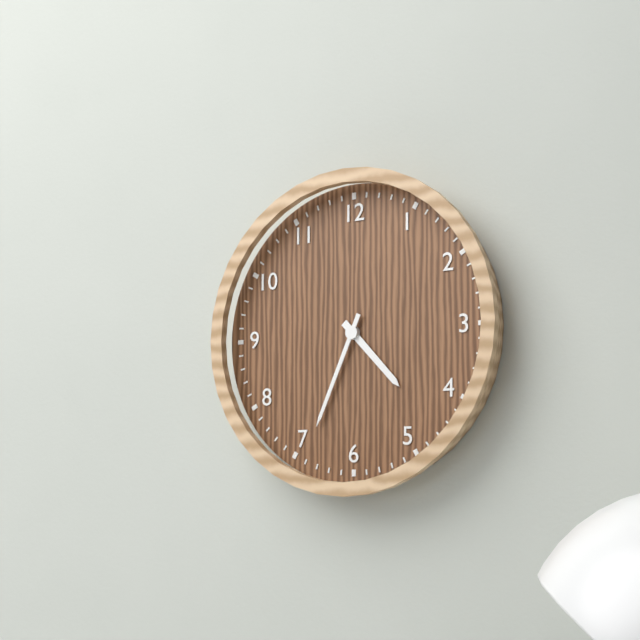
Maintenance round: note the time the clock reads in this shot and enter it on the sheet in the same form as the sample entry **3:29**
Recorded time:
**4:34**
